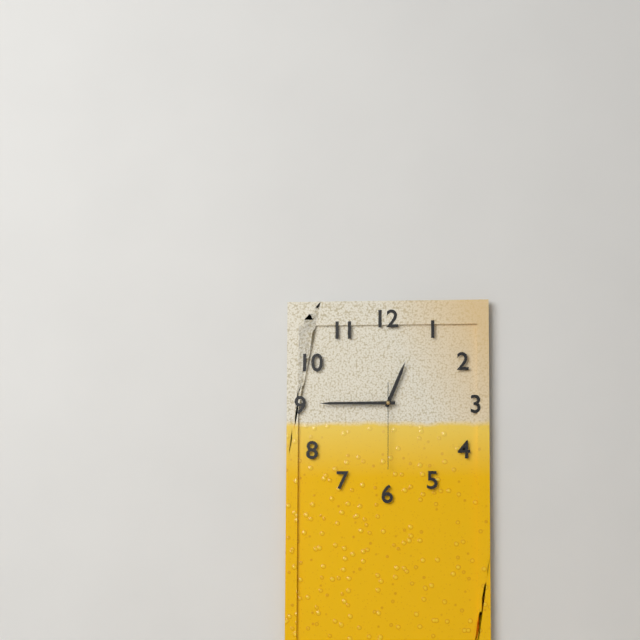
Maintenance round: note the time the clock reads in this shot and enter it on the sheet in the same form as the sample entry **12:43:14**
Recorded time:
**12:45:30**
